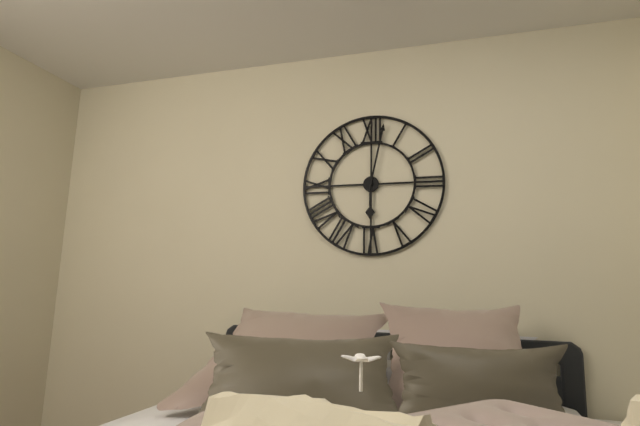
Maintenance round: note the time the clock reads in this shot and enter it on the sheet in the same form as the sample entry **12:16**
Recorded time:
**6:02**
